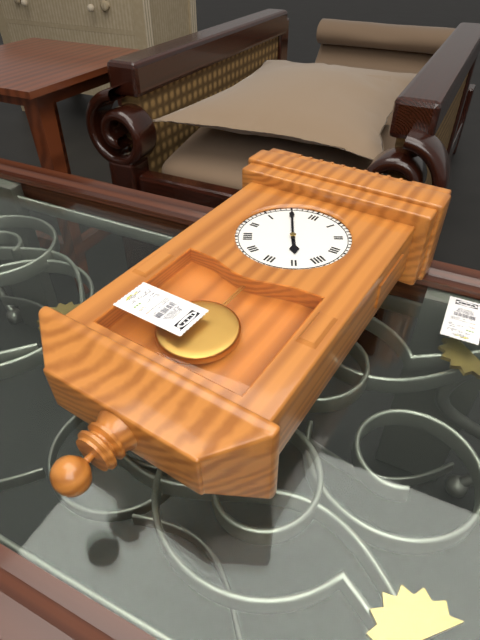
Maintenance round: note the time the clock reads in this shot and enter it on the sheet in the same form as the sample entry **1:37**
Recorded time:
**4:55**
